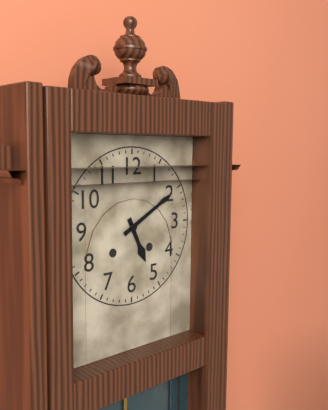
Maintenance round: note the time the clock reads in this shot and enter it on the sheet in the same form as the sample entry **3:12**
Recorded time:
**5:10**
